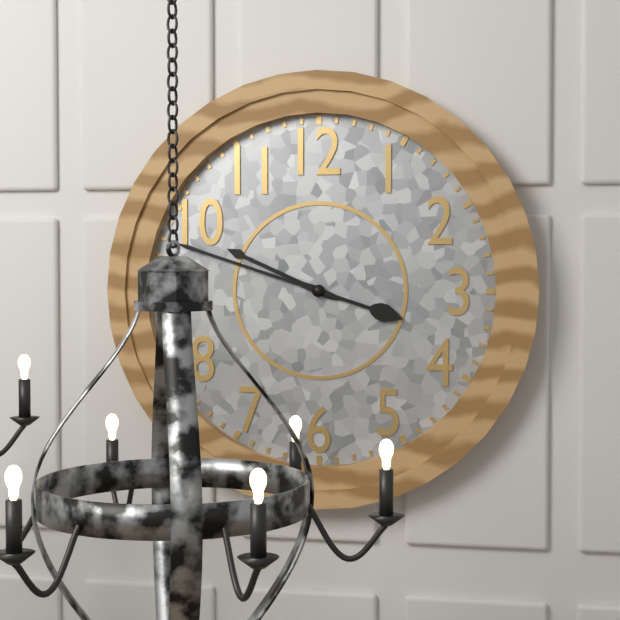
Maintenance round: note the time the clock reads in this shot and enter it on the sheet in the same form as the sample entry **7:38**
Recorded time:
**9:48**
